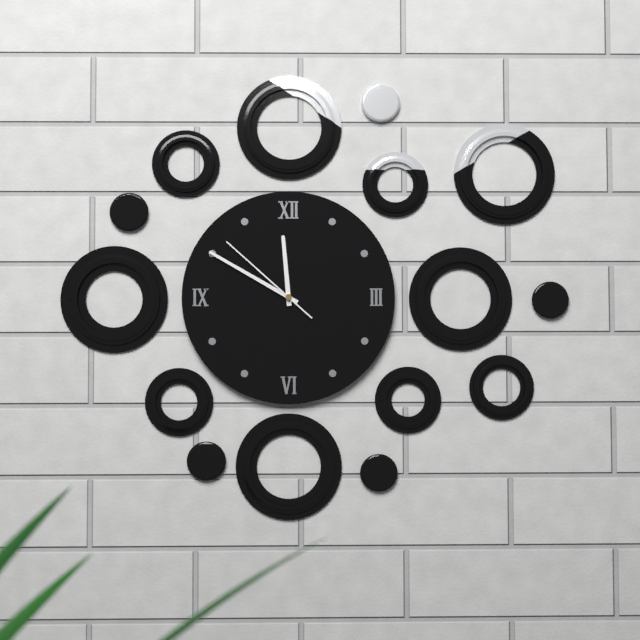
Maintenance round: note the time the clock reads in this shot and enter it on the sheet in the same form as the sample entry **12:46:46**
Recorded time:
**11:50:52**
